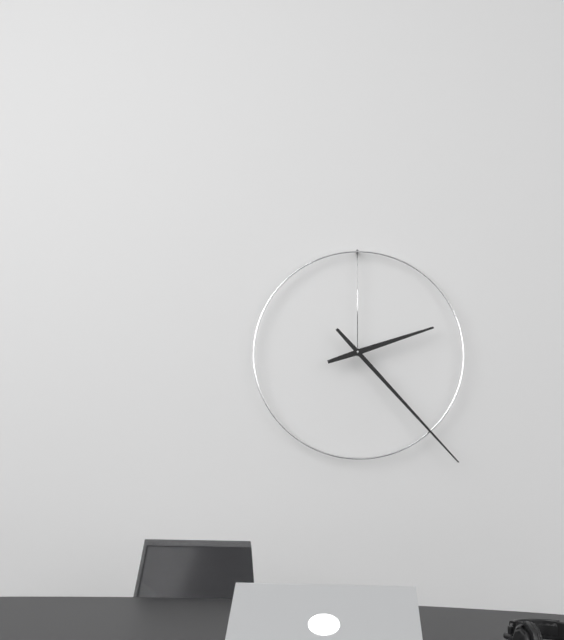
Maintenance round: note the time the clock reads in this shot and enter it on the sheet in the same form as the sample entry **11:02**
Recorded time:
**2:23**
